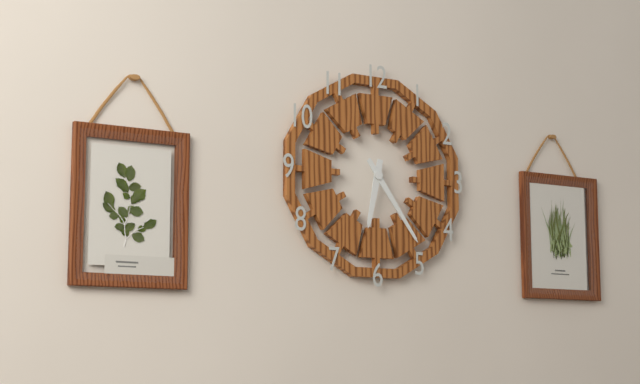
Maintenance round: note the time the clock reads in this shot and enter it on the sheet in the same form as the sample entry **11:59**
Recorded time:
**6:24**
